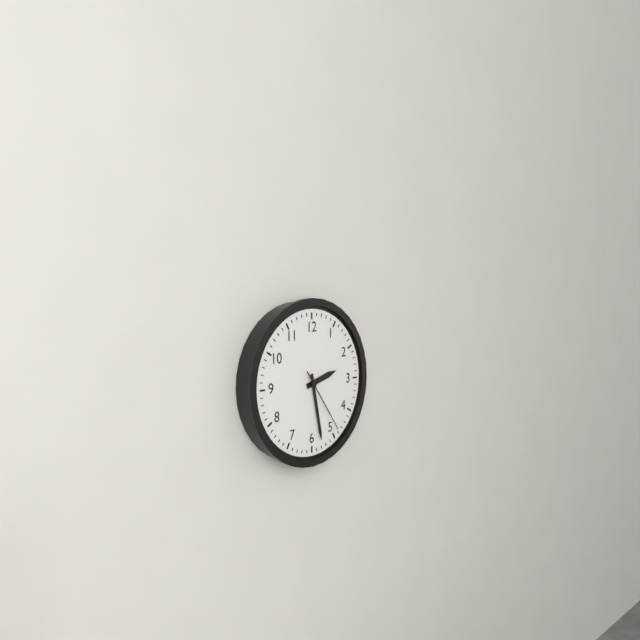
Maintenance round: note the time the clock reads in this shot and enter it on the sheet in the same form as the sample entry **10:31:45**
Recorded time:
**2:28:24**
